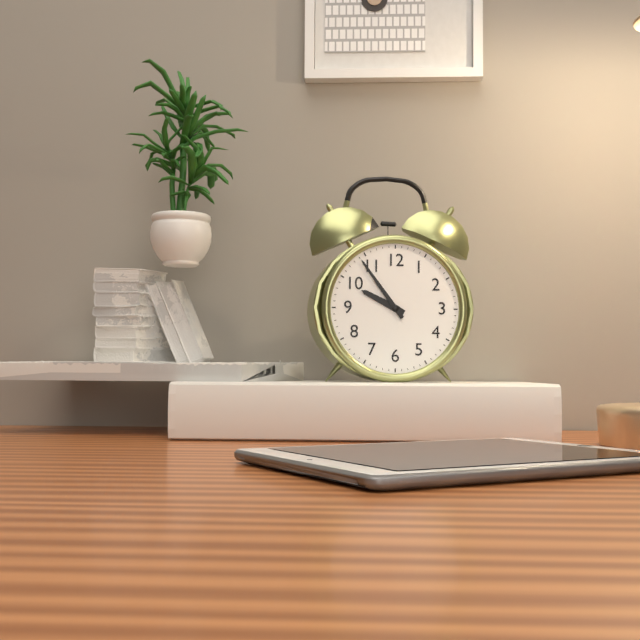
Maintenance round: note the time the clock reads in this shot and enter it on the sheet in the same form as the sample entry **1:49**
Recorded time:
**9:54**
